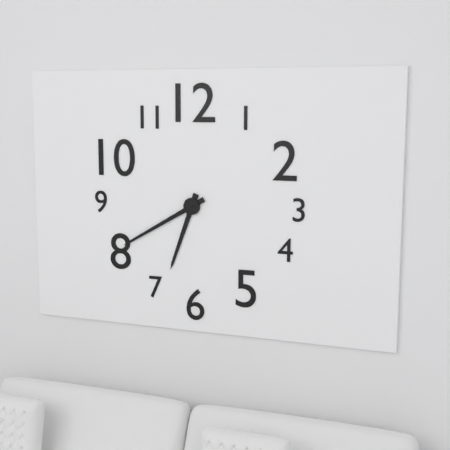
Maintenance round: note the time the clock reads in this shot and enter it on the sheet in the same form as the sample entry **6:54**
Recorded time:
**6:40**
